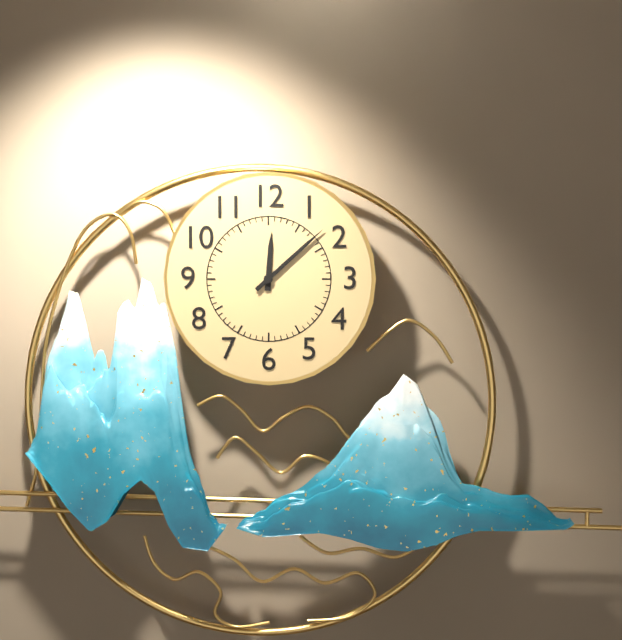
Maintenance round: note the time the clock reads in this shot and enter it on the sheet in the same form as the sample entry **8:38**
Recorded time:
**12:08**
